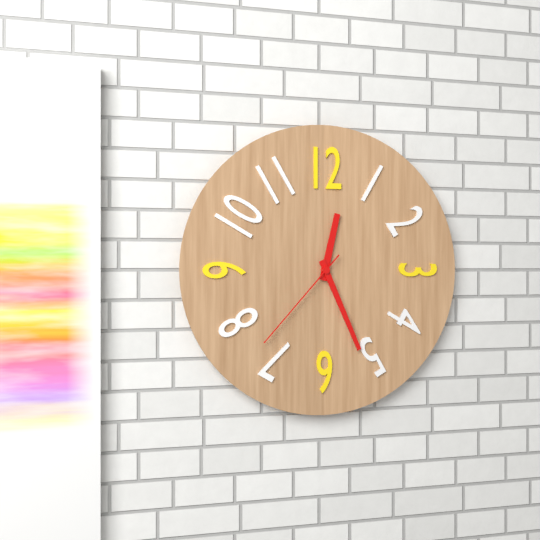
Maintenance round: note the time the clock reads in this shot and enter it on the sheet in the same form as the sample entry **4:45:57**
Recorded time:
**12:26:37**
